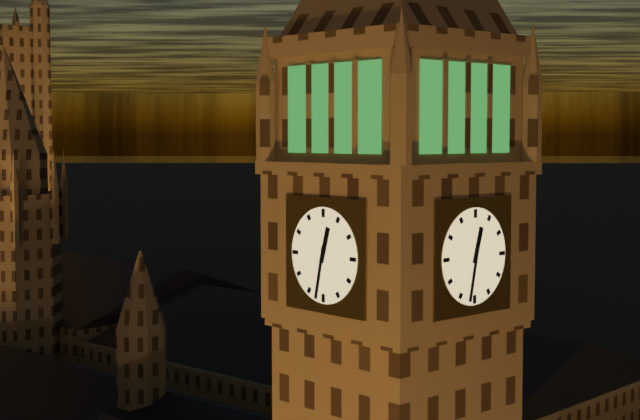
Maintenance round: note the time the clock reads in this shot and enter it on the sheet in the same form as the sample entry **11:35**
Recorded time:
**12:32**
